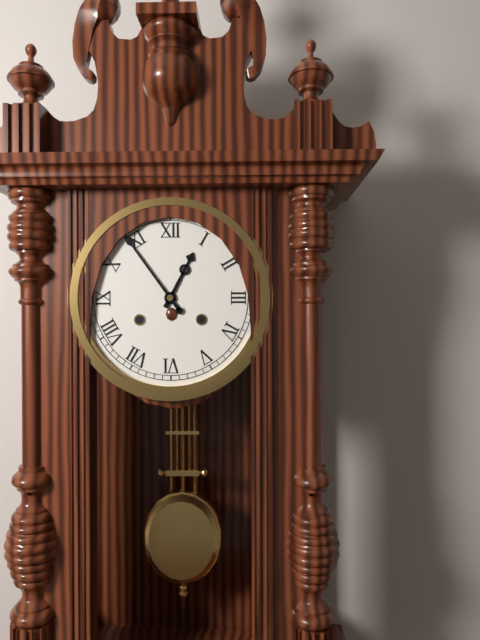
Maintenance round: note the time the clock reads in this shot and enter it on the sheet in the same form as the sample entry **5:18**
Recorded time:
**12:54**
